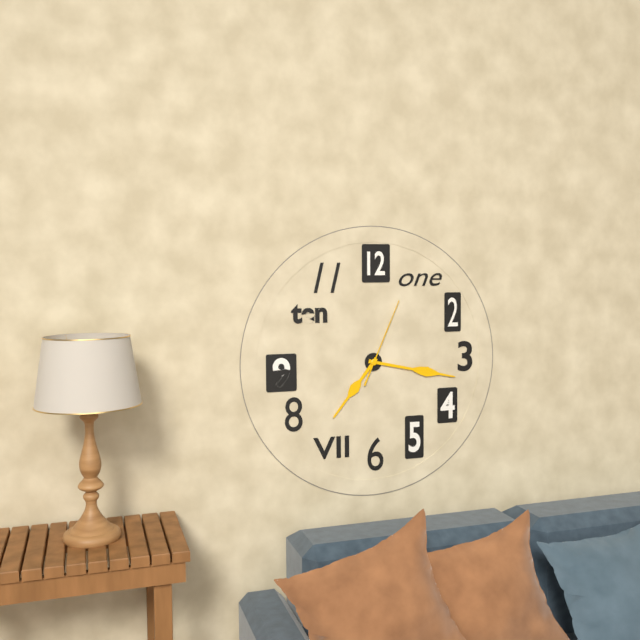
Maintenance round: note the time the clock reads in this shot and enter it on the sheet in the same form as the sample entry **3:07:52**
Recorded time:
**7:17:04**
